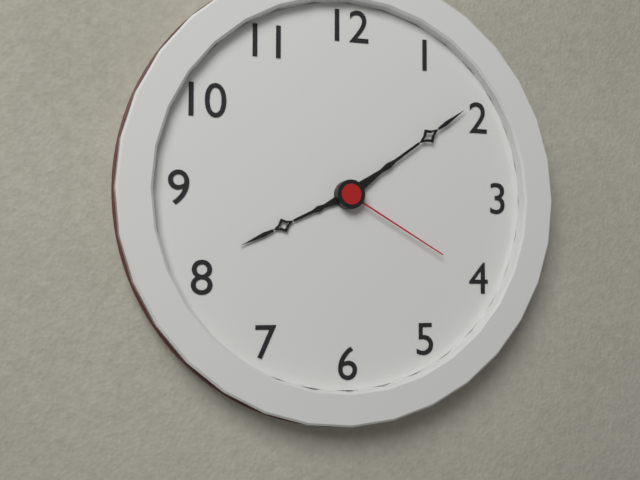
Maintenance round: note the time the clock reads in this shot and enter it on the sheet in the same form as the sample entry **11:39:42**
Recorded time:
**8:09:20**
